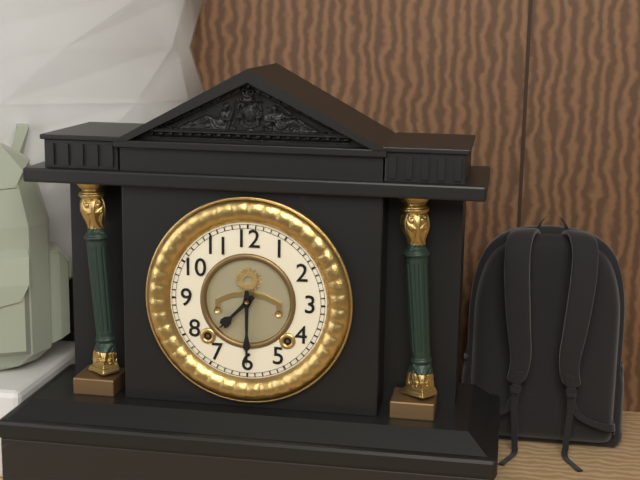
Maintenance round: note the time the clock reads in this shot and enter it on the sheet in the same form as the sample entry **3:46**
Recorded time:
**7:30**
